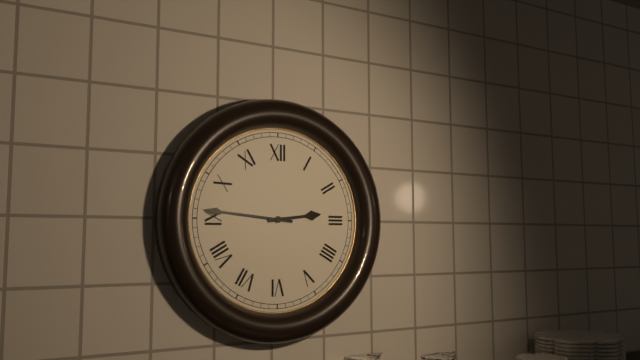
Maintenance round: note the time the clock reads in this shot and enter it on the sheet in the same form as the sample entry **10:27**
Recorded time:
**2:46**
